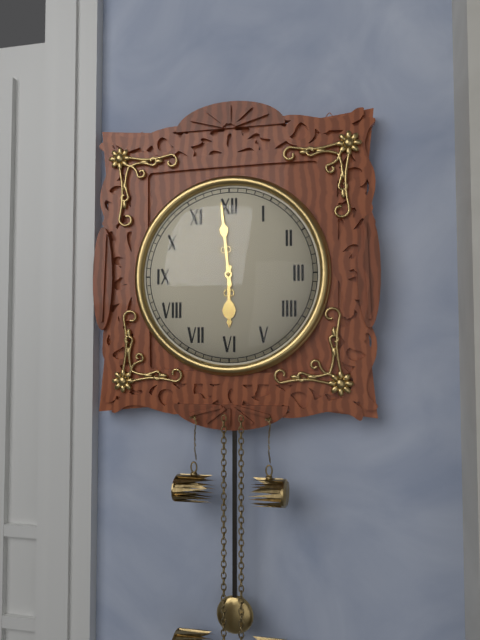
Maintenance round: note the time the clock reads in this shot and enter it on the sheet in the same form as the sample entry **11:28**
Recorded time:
**5:59**
